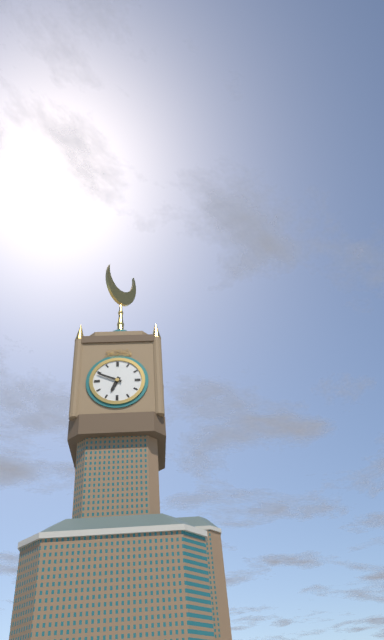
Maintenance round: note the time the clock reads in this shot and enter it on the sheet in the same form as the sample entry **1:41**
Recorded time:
**6:49**
